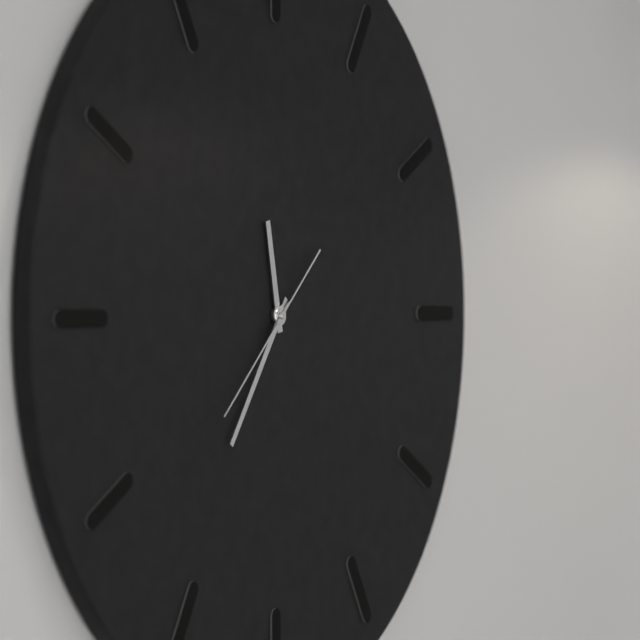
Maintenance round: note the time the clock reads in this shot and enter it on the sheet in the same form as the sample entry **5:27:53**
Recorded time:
**11:36:38**
